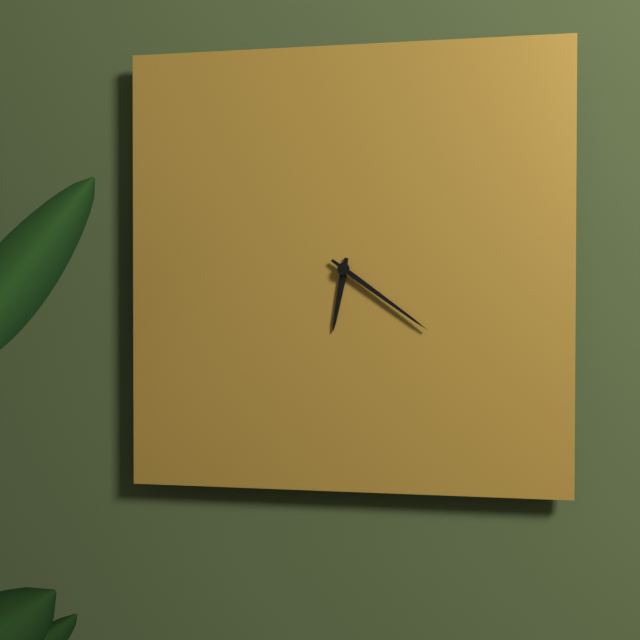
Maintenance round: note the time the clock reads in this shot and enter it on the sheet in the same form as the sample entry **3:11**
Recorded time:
**6:21**
